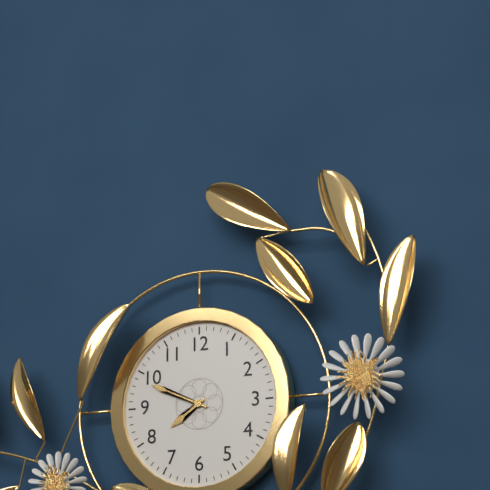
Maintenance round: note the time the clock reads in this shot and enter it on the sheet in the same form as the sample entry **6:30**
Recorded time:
**7:49**
